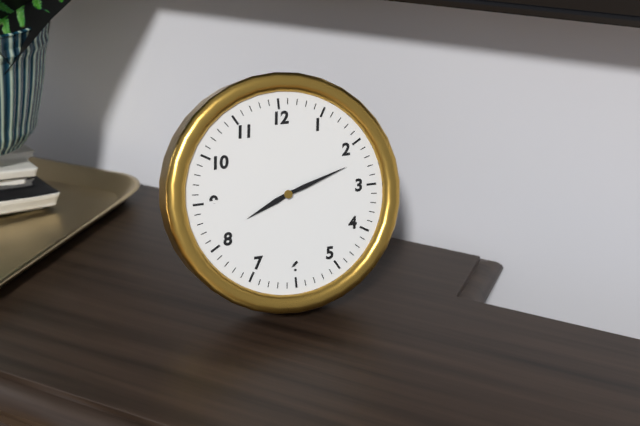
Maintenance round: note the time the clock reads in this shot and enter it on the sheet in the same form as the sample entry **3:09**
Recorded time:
**8:12**
